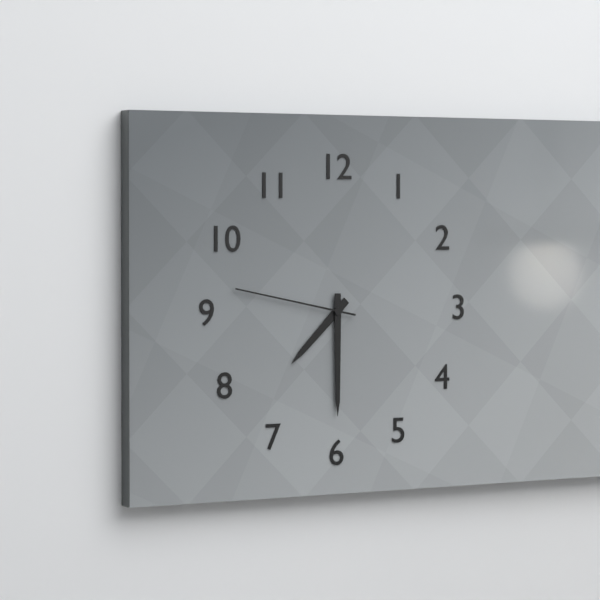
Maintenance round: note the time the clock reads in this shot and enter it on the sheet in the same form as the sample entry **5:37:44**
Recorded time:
**7:30:47**
